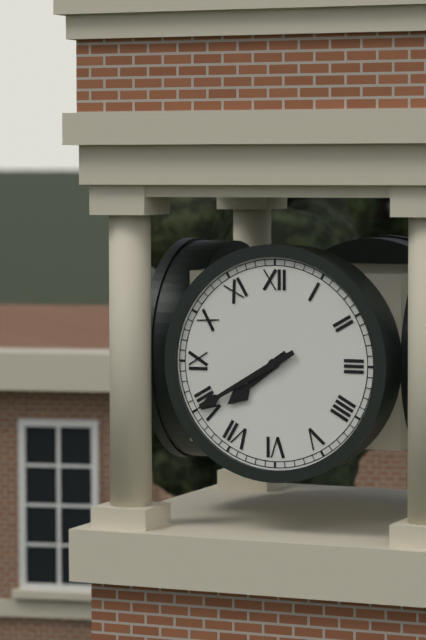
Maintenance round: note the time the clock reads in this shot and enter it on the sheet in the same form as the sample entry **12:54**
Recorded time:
**7:40**
